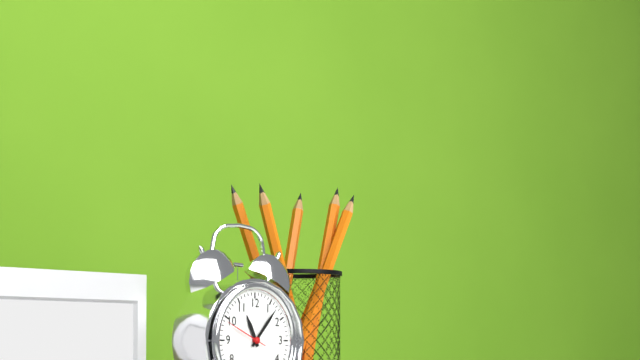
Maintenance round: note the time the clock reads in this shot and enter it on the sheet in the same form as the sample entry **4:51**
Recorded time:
**11:07**
